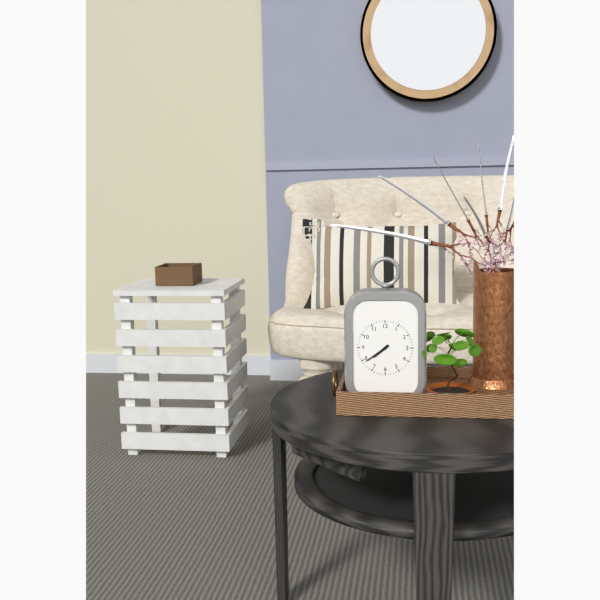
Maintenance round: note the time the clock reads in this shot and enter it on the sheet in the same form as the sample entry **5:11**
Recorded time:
**7:39**
